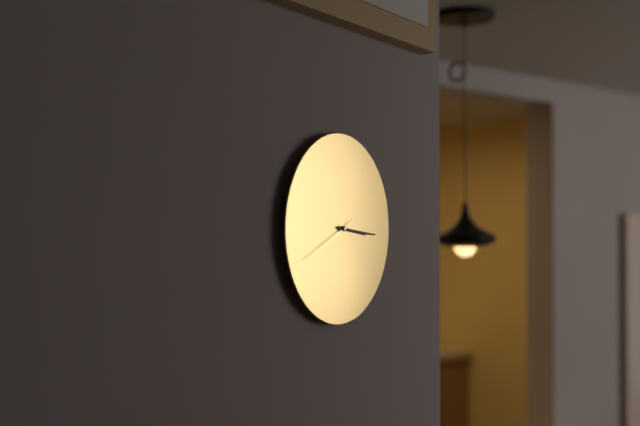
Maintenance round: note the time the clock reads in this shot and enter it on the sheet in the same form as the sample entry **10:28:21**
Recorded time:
**3:16:41**
